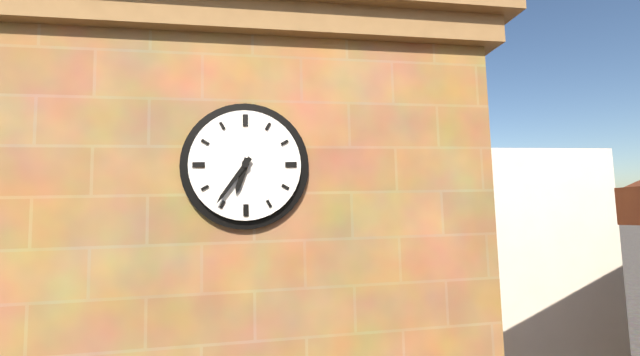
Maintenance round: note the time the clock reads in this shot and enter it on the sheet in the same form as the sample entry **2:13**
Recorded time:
**6:36**
